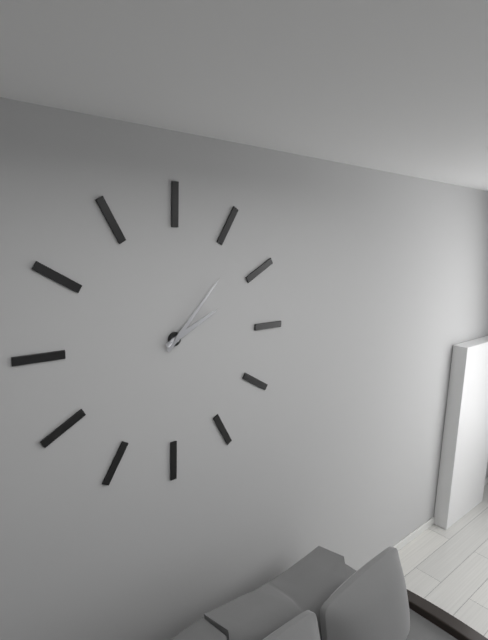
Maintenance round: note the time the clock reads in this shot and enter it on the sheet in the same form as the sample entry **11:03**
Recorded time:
**2:07**
